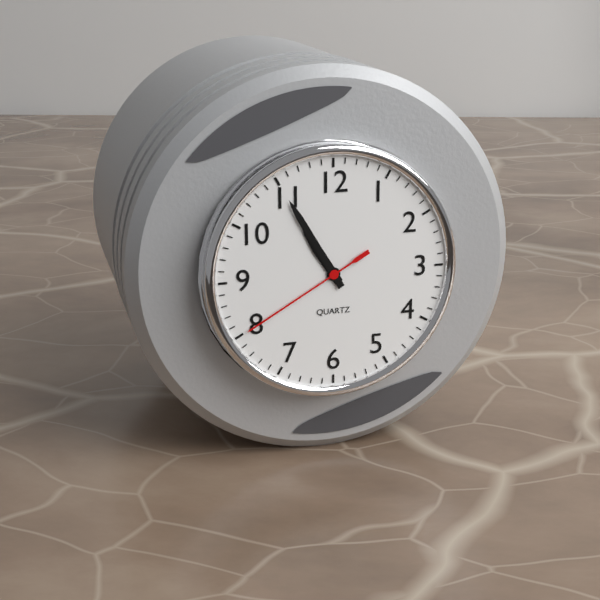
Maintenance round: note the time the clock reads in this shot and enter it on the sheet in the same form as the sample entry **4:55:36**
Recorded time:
**10:55:40**
